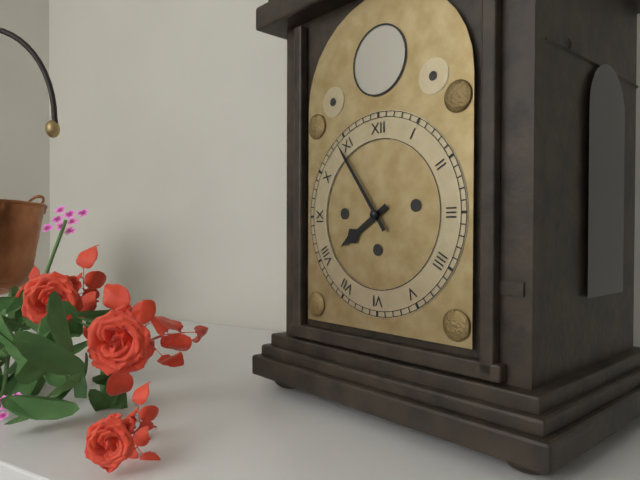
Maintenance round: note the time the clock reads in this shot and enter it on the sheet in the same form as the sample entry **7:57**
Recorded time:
**7:54**
